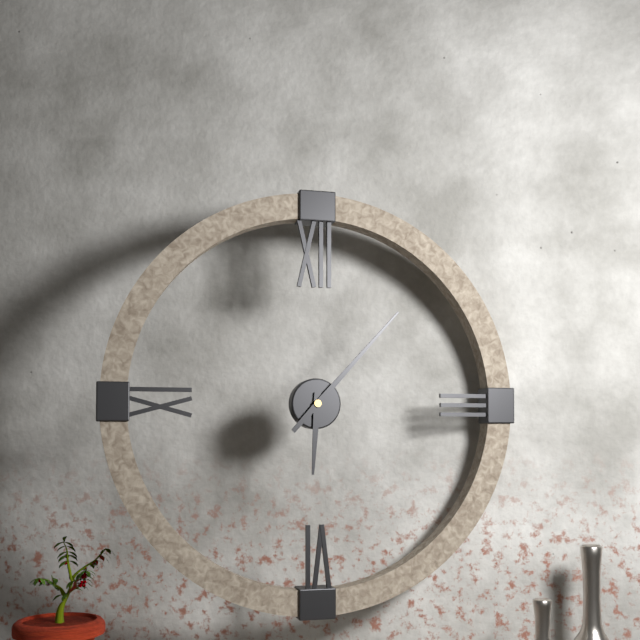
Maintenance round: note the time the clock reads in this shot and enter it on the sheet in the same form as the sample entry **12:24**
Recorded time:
**6:07**
